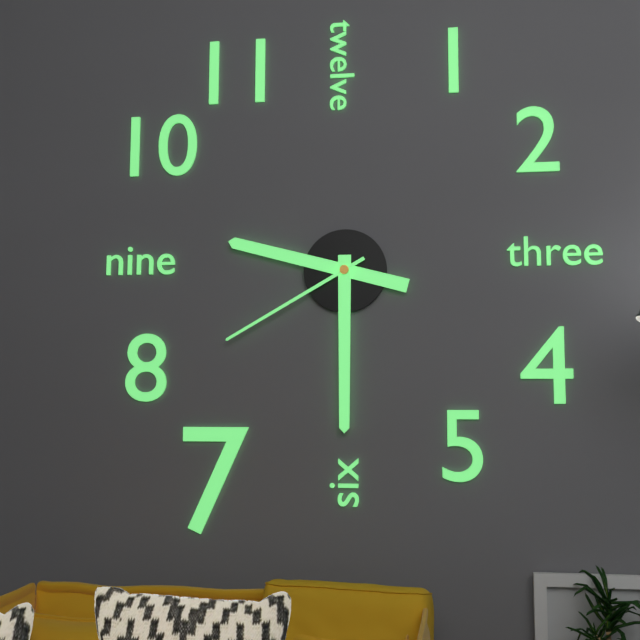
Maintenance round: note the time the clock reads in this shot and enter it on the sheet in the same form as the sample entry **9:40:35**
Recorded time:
**9:30:40**
